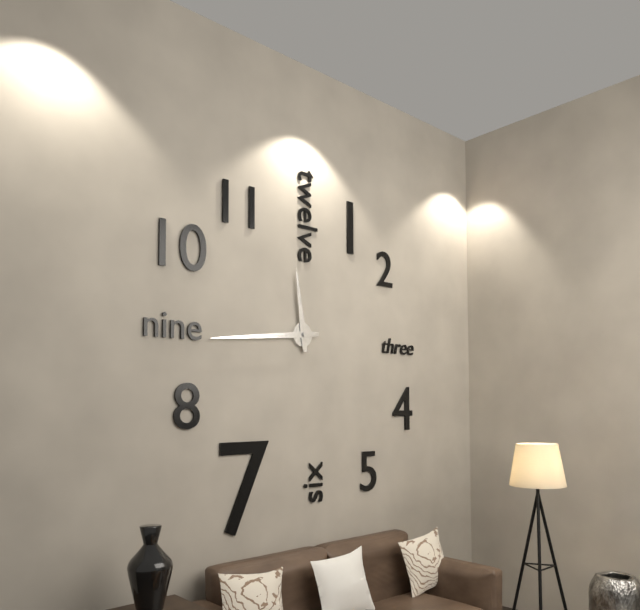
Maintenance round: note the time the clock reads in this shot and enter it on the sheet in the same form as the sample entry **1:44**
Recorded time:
**11:44**
